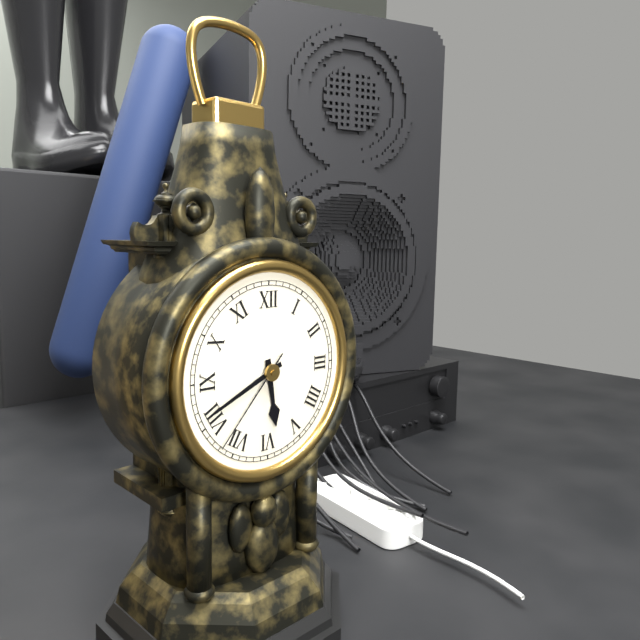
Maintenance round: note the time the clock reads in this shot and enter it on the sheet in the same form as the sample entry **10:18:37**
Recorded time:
**5:41:37**
